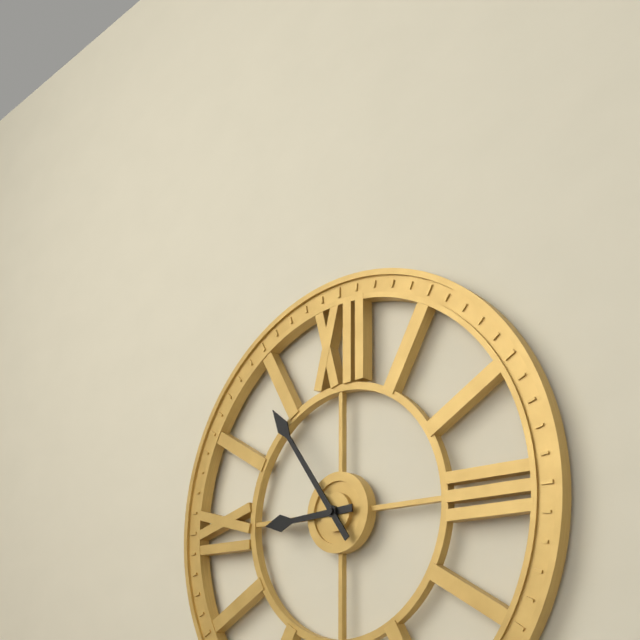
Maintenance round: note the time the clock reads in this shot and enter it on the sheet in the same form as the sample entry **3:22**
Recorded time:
**8:54**
